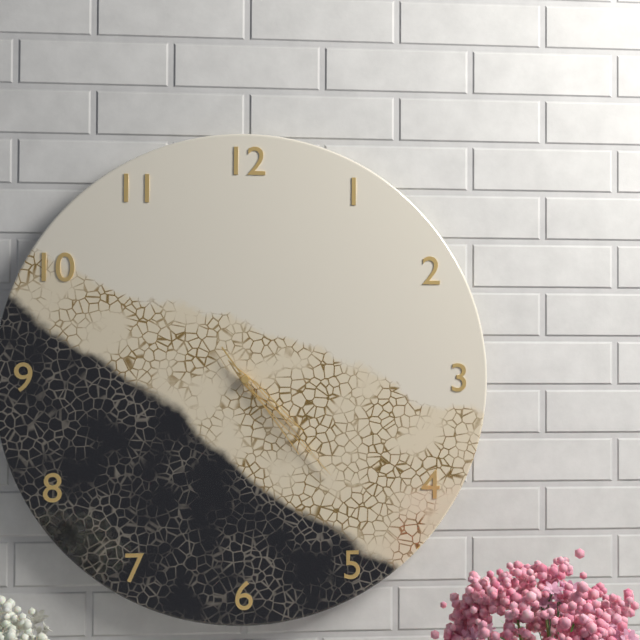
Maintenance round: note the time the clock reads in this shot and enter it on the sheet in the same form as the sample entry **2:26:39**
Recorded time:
**4:23:24**
